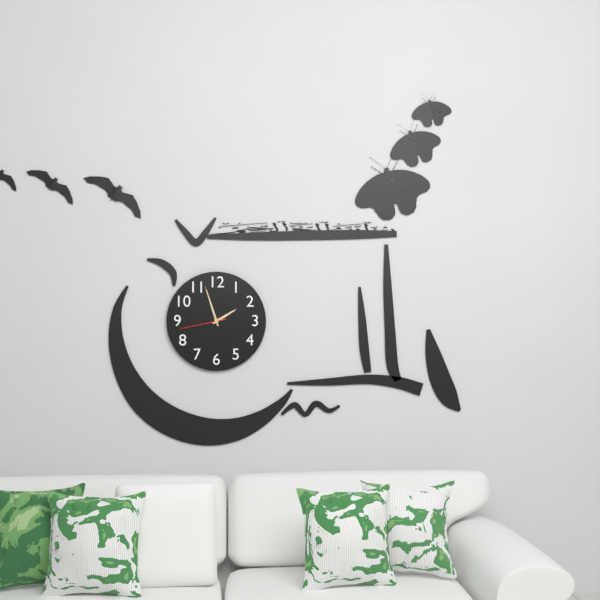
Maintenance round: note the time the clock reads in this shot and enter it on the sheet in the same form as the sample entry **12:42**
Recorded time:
**1:57**
